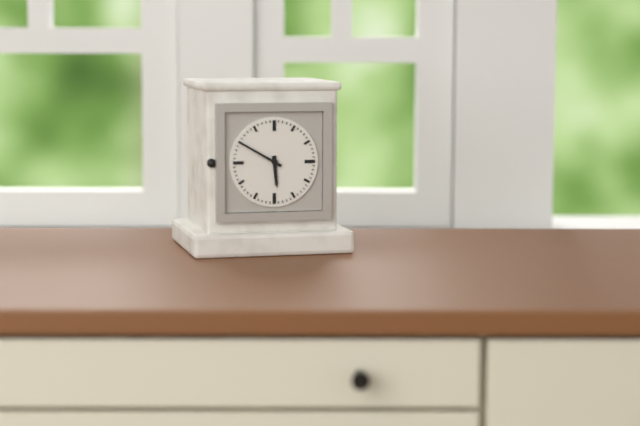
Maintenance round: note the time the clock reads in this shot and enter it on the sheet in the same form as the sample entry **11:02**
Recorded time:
**5:50**
